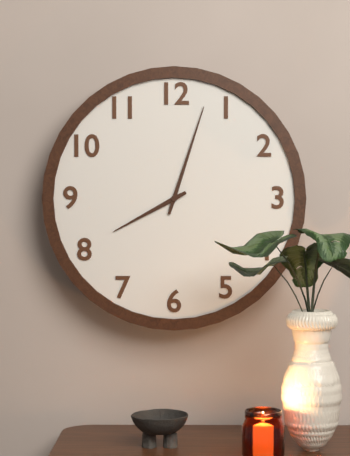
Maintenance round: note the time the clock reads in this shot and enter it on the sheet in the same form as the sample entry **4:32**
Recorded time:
**8:03**
